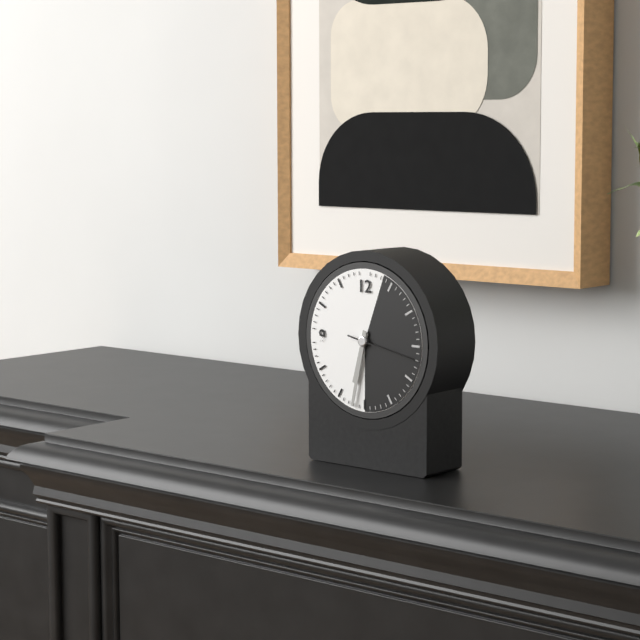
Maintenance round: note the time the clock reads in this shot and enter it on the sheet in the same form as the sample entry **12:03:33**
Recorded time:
**6:32:17**
